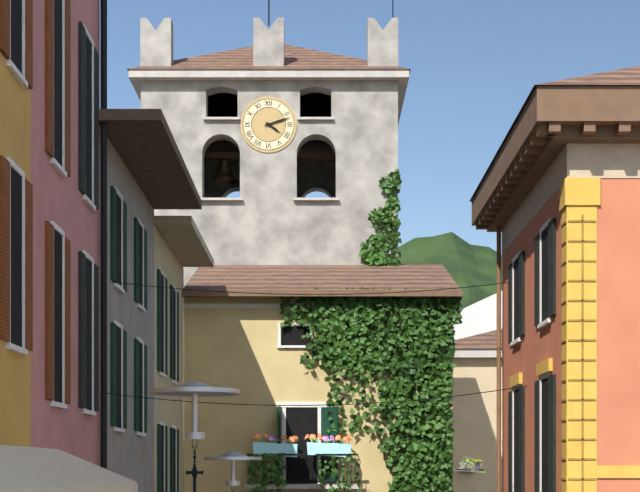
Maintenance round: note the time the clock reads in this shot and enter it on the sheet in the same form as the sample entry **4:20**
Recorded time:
**4:12**
